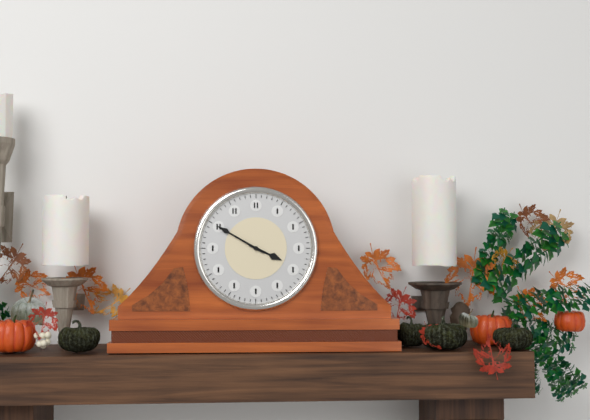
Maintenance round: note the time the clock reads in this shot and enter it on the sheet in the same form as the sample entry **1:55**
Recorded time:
**3:50**
